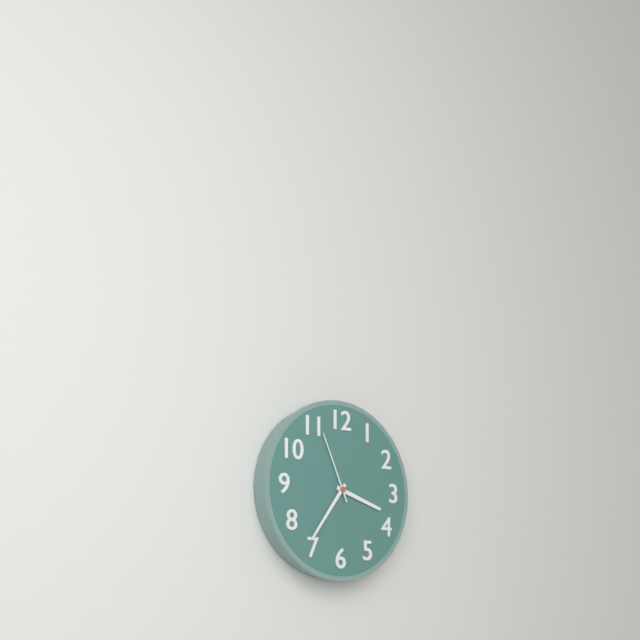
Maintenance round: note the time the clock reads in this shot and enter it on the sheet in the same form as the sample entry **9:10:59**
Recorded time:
**3:36:56**
